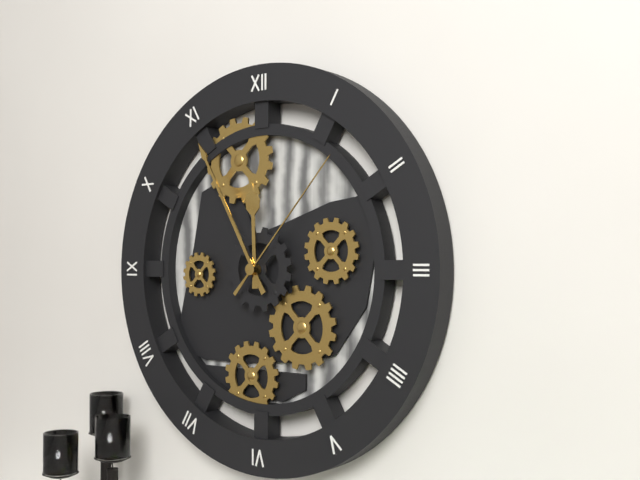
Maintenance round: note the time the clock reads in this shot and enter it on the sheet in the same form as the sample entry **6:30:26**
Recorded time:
**11:55:07**
